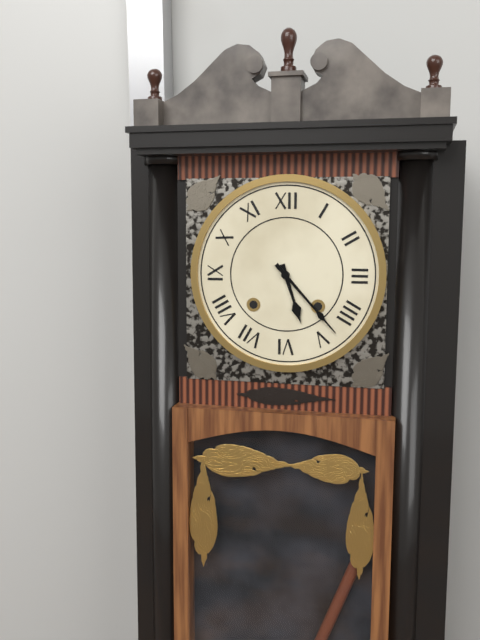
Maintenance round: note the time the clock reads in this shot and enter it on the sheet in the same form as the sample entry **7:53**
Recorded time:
**5:23**
